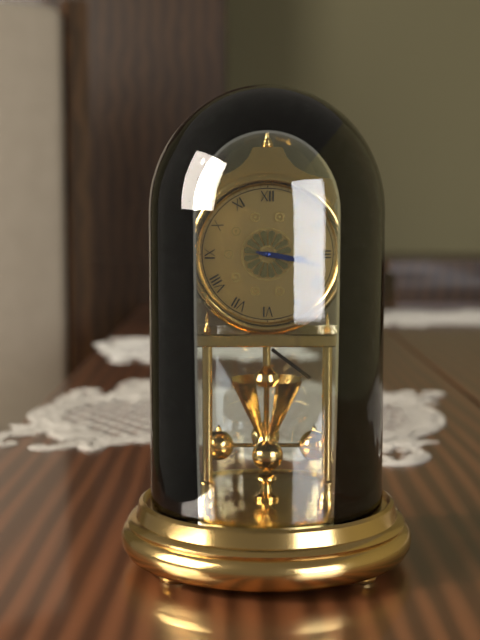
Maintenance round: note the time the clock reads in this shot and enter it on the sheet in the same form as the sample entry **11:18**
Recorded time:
**3:17**
